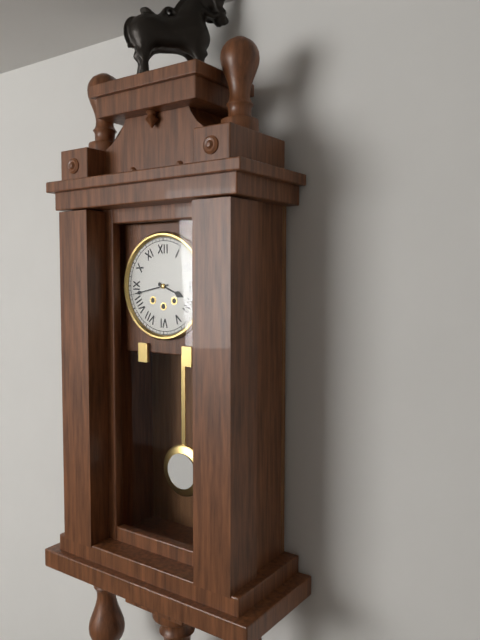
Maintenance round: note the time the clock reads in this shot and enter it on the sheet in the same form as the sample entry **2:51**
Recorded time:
**3:43**
